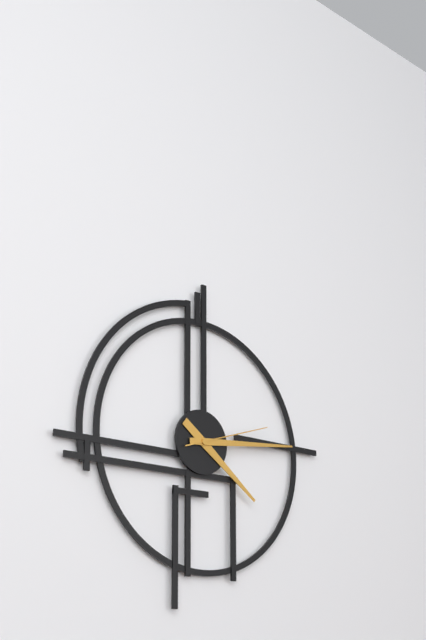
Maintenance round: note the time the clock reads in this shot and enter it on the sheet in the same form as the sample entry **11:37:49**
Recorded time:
**4:14:12**
